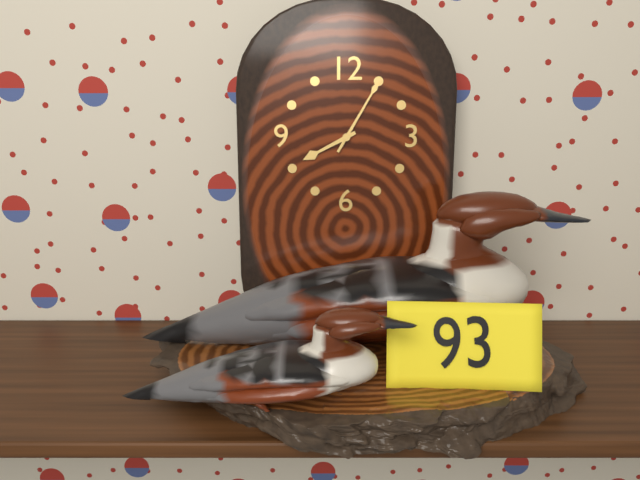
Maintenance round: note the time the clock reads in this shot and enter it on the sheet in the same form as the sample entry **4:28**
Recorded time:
**8:05**
